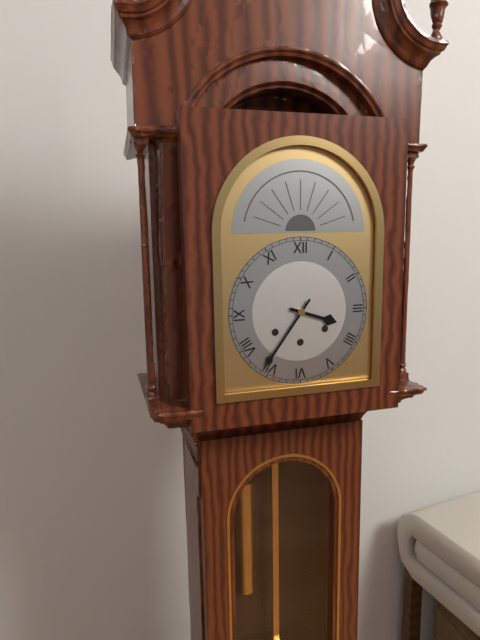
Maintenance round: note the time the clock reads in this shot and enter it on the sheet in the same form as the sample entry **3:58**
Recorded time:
**3:36**
